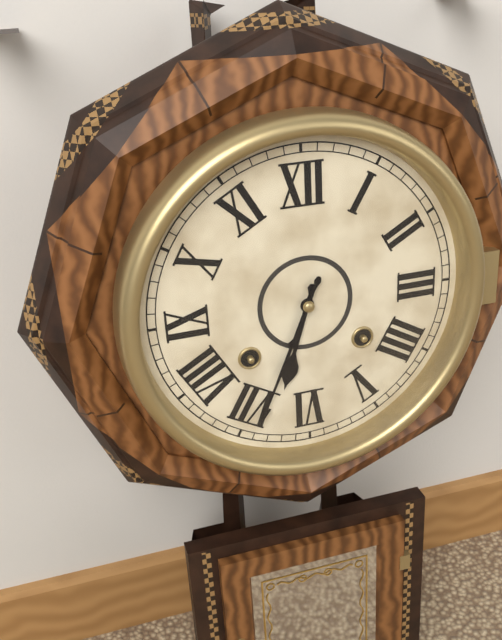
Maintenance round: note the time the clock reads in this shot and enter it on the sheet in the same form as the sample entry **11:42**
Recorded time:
**6:34**
